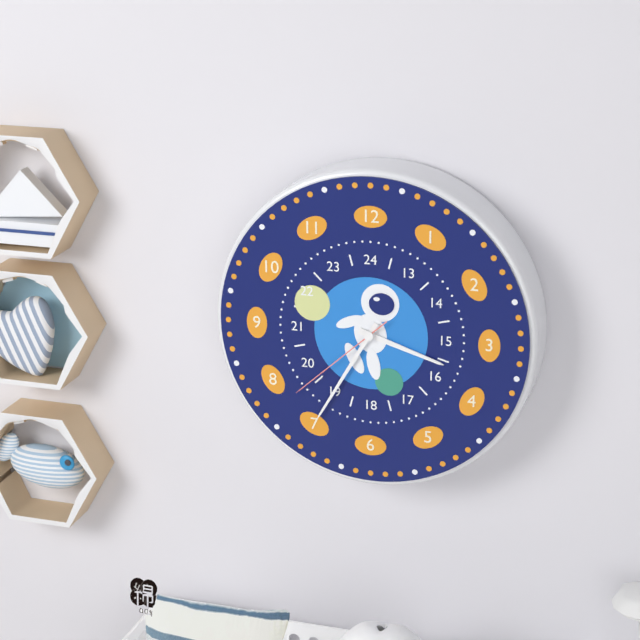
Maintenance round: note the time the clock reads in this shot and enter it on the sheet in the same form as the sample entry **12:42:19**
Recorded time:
**3:35:38**
